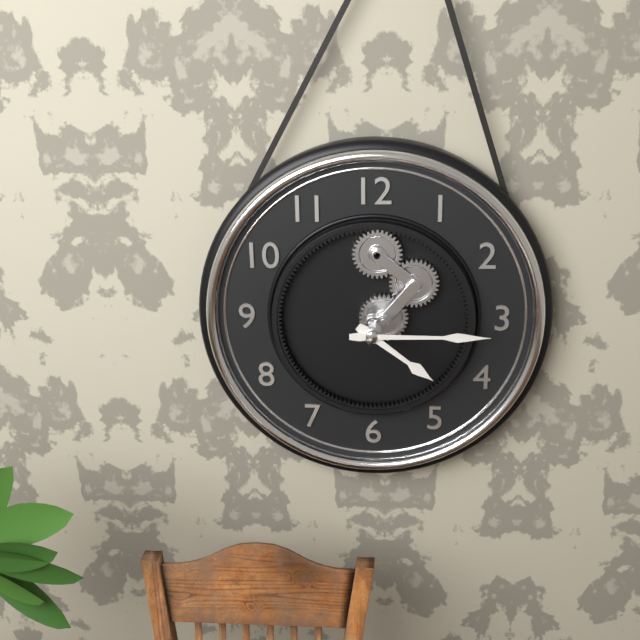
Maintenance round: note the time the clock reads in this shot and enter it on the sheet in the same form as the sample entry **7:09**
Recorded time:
**4:15**
